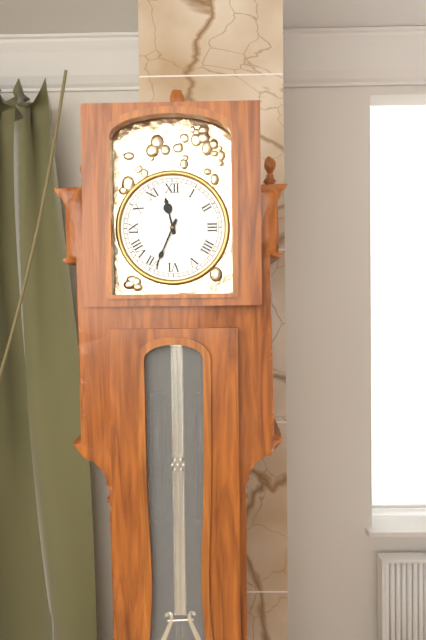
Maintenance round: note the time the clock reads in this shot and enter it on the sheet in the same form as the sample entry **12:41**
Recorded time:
**11:34**
